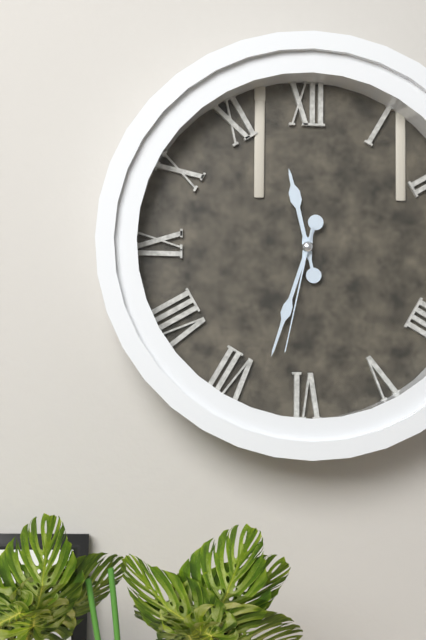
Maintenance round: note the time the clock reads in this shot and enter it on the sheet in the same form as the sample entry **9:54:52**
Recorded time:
**11:33:32**
